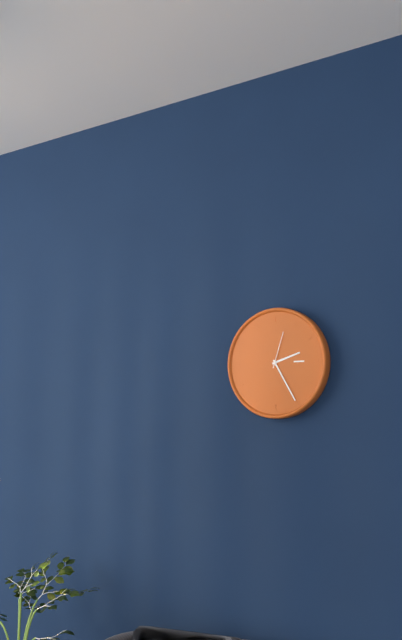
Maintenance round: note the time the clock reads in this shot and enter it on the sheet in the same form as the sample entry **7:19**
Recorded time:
**2:25**
